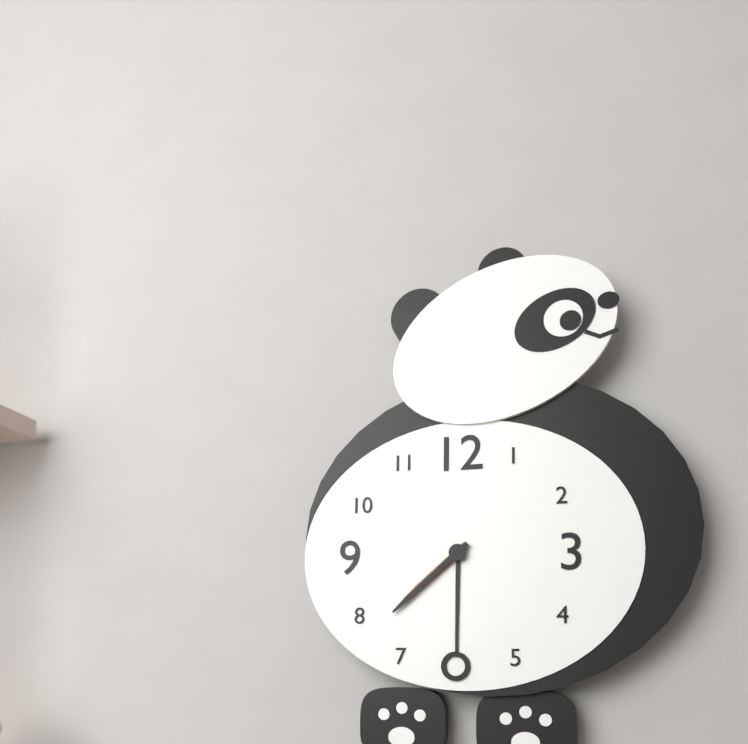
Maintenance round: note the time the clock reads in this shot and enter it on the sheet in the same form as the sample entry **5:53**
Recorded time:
**7:38**
